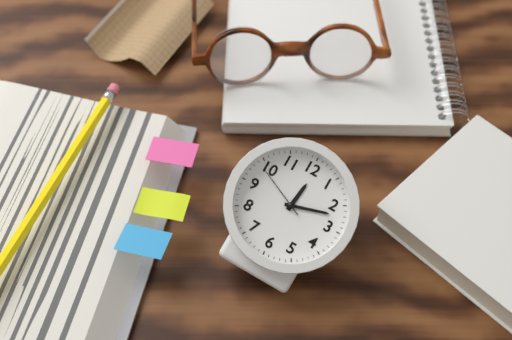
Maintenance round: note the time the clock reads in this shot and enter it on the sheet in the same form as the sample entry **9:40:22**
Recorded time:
**12:12:49**
